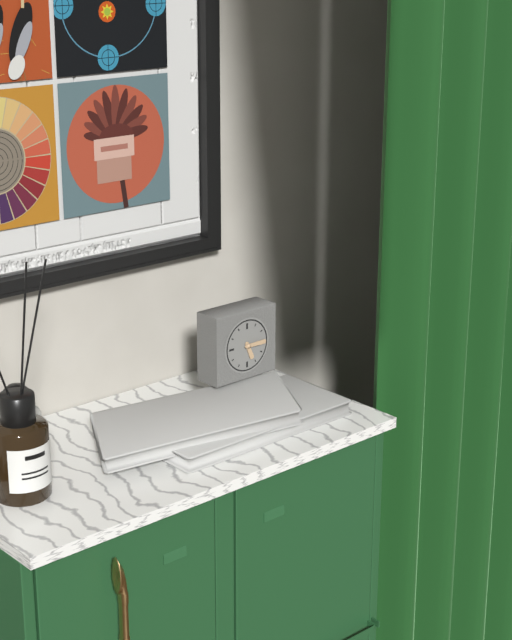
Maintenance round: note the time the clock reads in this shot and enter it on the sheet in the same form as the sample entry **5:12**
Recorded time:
**5:15**
